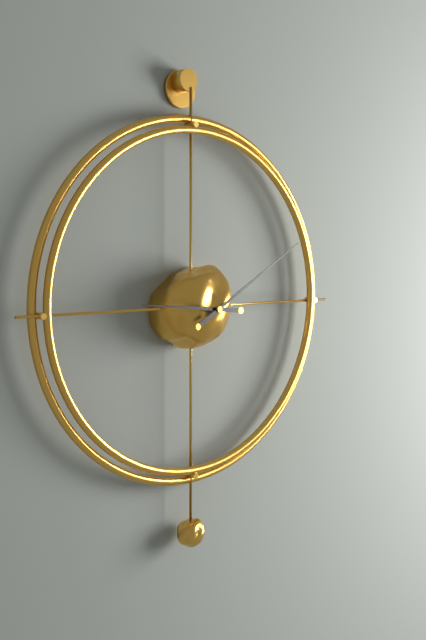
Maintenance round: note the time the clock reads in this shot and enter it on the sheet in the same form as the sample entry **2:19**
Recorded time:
**9:10**
